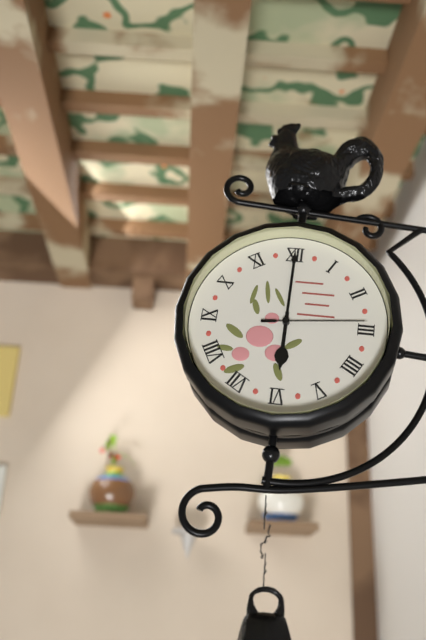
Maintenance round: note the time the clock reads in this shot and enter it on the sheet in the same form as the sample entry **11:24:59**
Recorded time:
**6:00:14**
